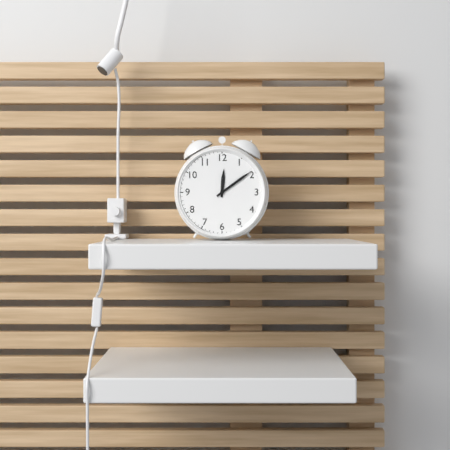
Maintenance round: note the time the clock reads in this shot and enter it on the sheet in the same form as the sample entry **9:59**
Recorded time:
**12:09**
